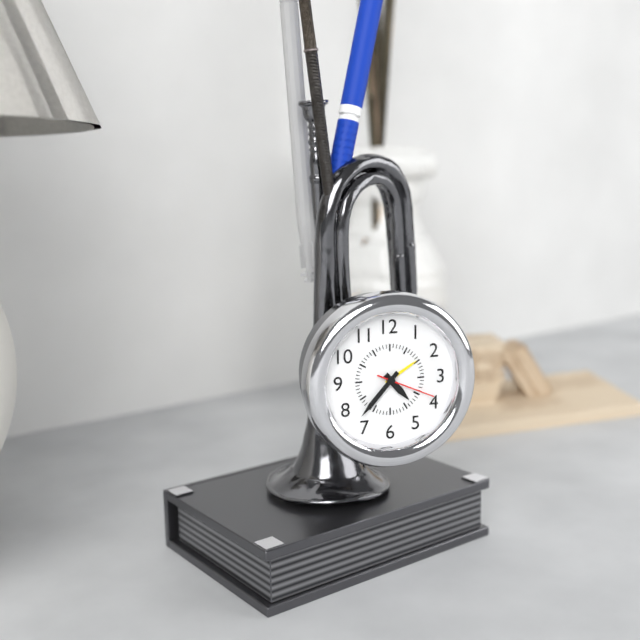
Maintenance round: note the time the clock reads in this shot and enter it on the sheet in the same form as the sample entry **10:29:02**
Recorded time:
**4:37:19**
